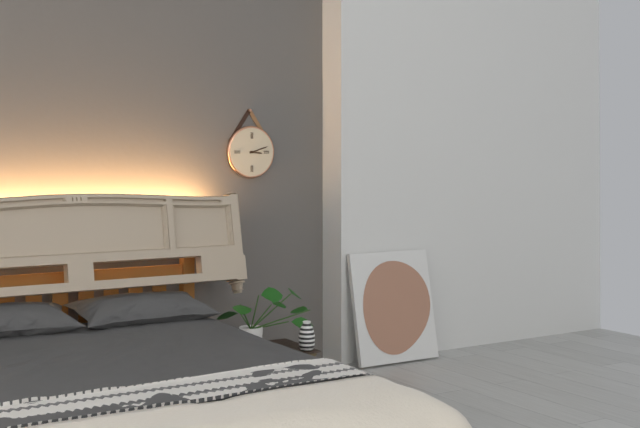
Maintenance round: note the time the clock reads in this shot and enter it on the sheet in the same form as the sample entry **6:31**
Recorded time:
**3:12**
